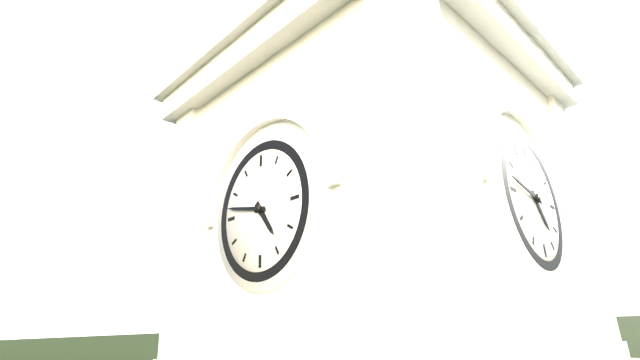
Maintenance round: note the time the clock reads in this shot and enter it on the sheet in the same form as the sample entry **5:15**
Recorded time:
**4:47**
